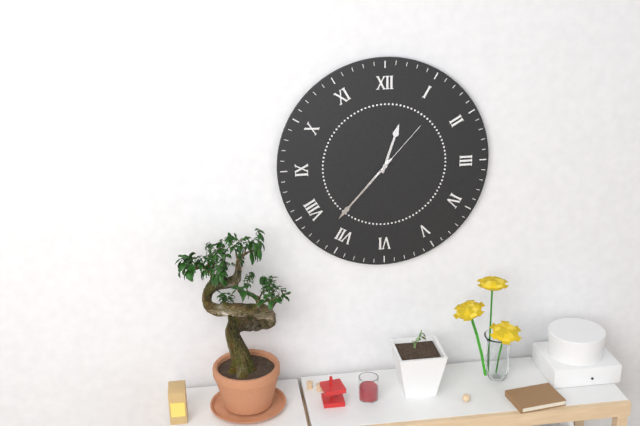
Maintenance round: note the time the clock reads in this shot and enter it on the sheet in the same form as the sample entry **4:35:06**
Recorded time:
**12:37:07**
